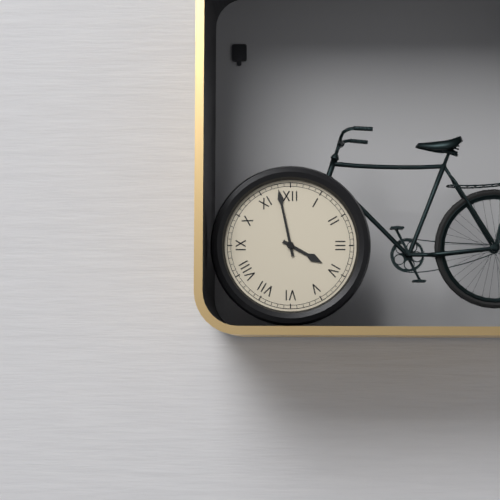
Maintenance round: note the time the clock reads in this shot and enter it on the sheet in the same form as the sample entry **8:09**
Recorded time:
**3:58**
